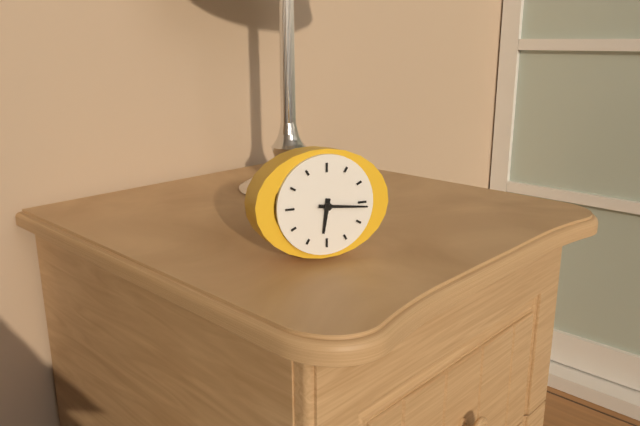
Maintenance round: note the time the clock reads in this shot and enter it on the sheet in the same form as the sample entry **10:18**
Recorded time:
**6:16**
